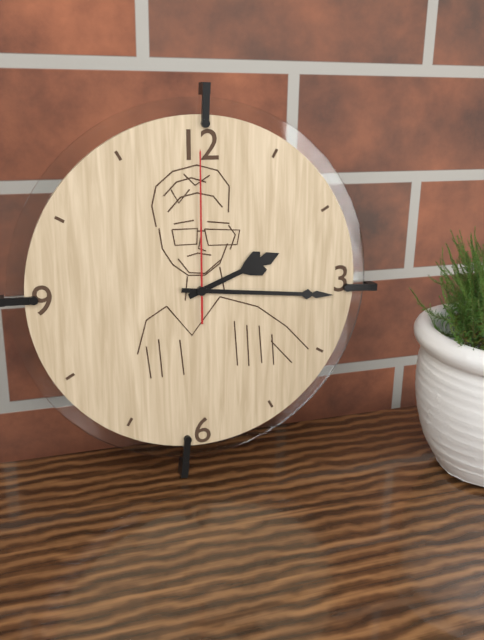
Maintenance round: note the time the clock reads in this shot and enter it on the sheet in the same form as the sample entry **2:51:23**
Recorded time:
**2:16:00**
